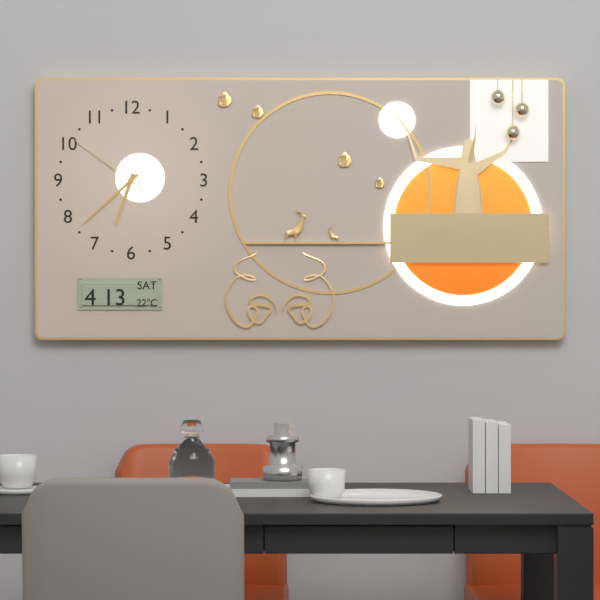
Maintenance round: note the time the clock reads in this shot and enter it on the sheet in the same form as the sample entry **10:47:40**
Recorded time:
**6:38:51**
